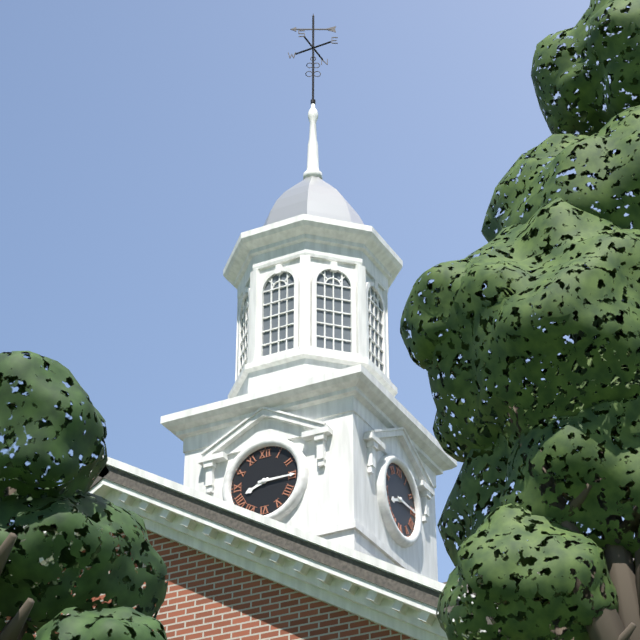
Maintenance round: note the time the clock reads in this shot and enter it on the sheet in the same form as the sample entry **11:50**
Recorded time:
**8:15**
